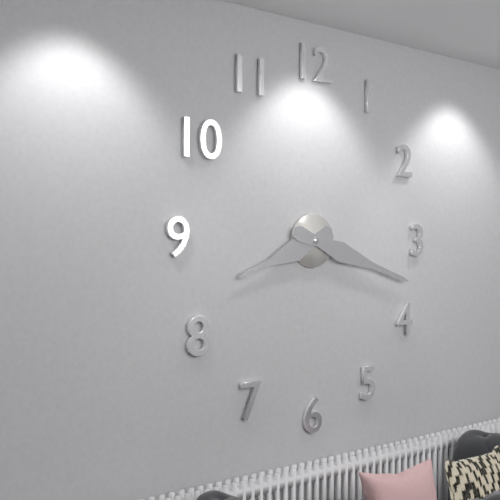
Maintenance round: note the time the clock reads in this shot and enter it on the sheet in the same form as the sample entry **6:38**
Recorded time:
**8:18**
